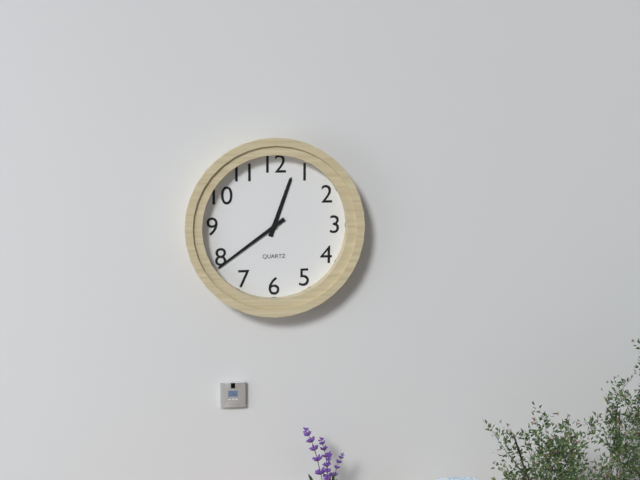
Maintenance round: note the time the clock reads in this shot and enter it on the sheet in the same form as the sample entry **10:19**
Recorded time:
**12:39**
